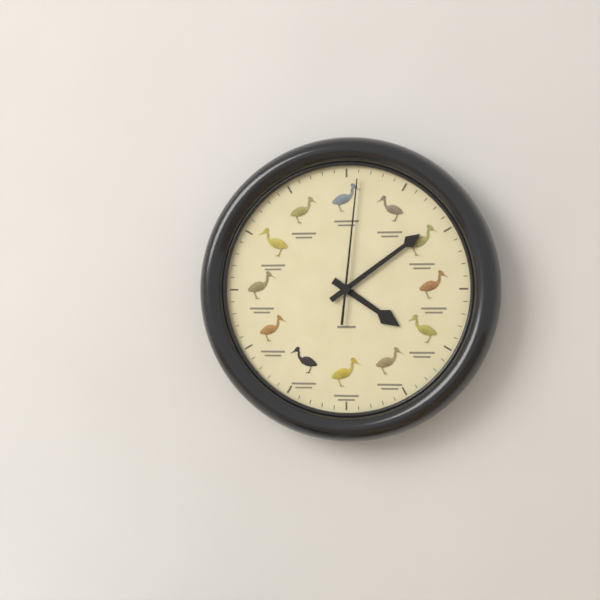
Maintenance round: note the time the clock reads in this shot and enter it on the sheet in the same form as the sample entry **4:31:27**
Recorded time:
**4:09:01**
